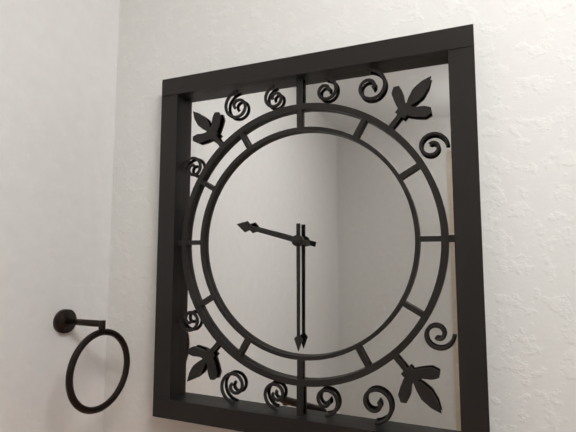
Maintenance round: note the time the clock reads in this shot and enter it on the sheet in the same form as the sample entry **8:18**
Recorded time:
**9:30**
